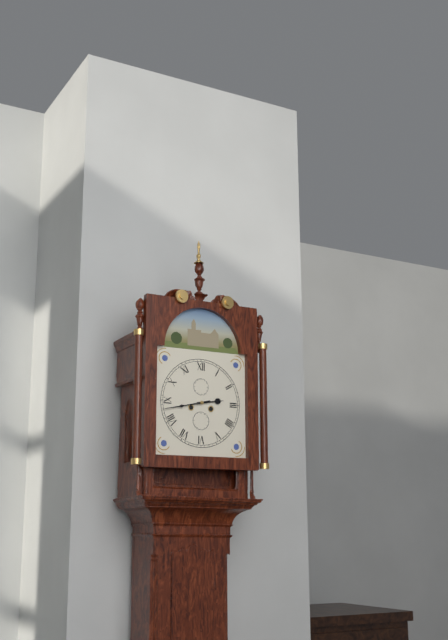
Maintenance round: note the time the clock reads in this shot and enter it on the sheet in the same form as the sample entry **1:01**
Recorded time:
**2:43**
